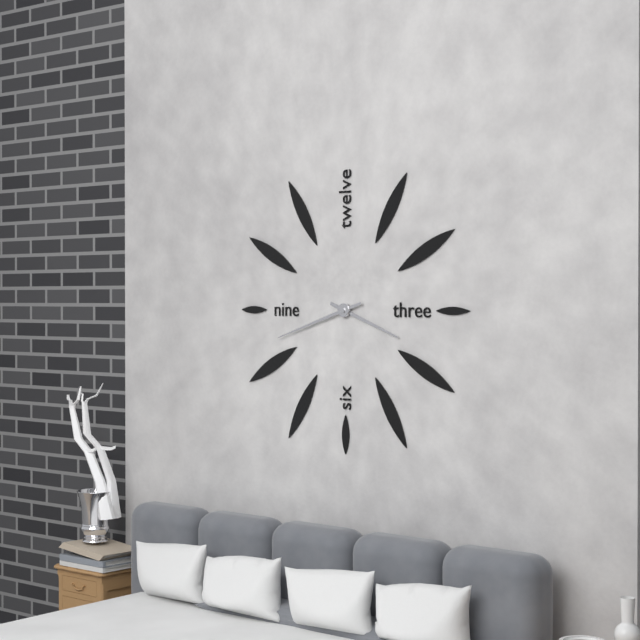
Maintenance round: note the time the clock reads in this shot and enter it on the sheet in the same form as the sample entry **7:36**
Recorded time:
**3:42**
